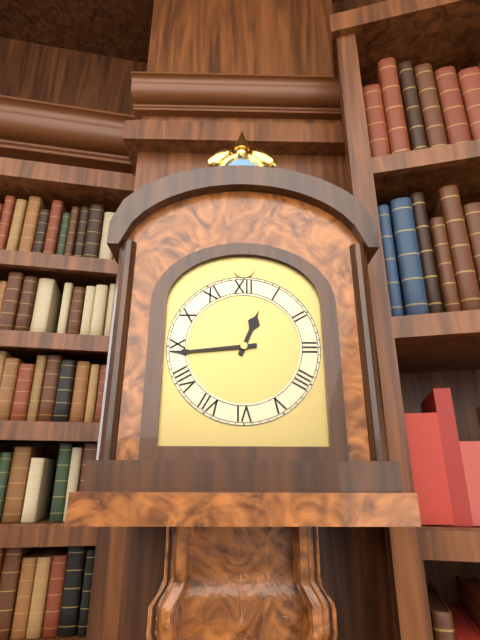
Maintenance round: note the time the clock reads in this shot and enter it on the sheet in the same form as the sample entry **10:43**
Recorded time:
**12:44**
